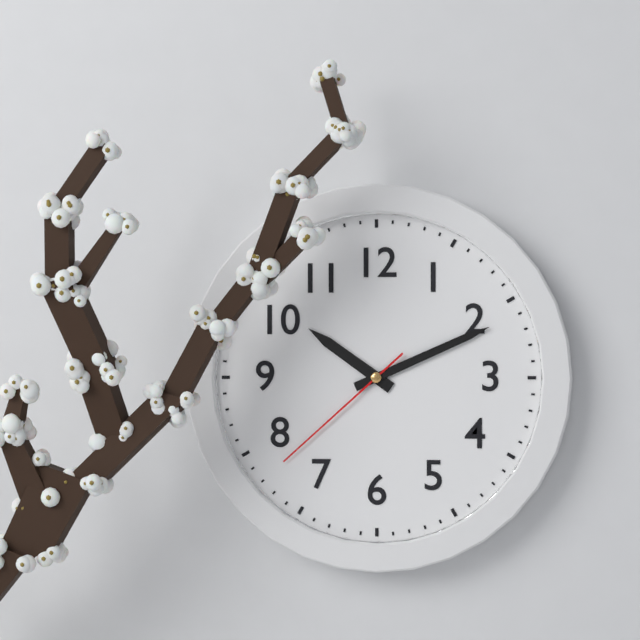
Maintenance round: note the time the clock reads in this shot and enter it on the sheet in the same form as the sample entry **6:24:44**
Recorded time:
**10:11:38**
